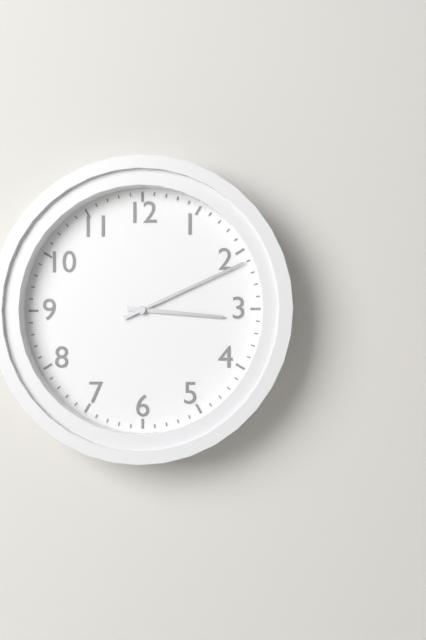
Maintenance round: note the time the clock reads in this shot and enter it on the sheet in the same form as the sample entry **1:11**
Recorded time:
**3:11**
